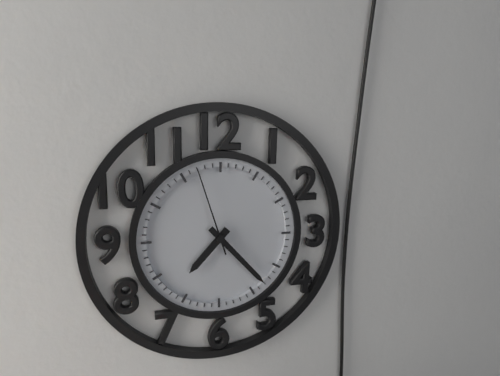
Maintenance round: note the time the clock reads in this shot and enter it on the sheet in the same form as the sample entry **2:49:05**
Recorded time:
**7:23:57**
